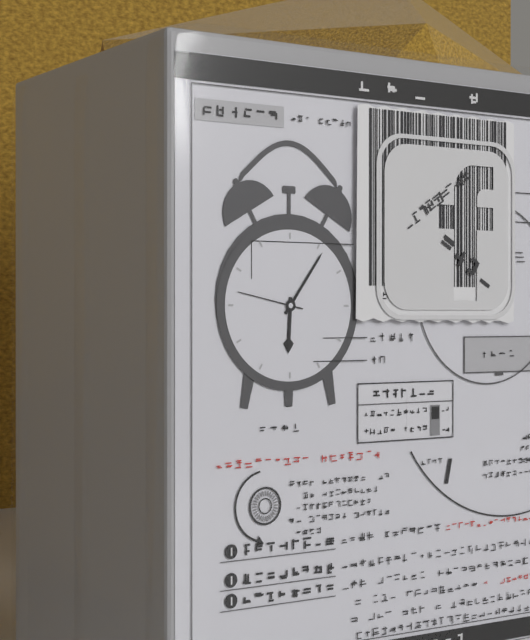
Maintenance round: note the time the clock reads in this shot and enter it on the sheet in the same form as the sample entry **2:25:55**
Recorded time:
**6:06:47**
